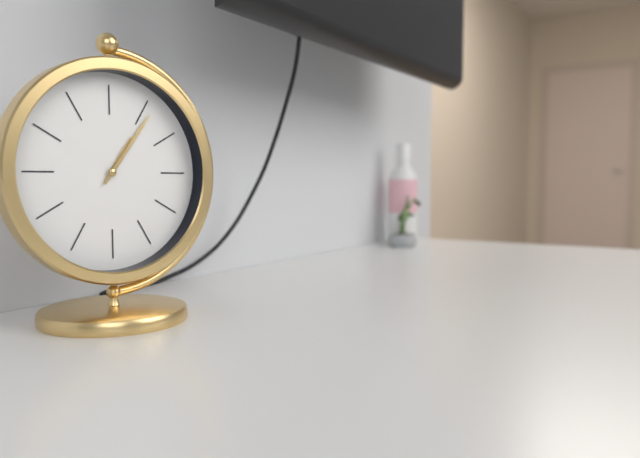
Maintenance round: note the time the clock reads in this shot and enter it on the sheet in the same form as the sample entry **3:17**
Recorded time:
**1:06**
